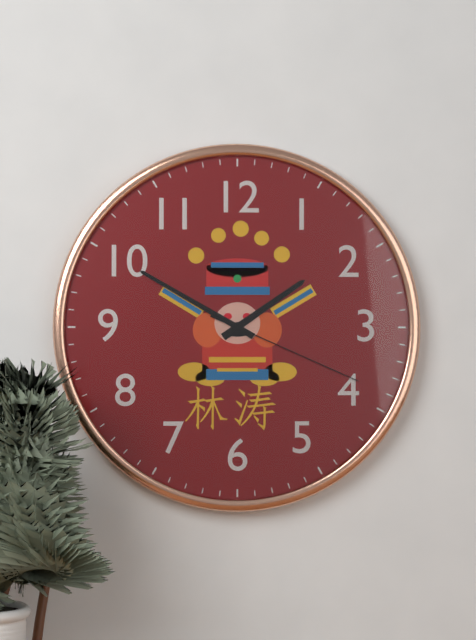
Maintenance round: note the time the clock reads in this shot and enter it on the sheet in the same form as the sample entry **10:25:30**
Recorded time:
**1:50:19**
